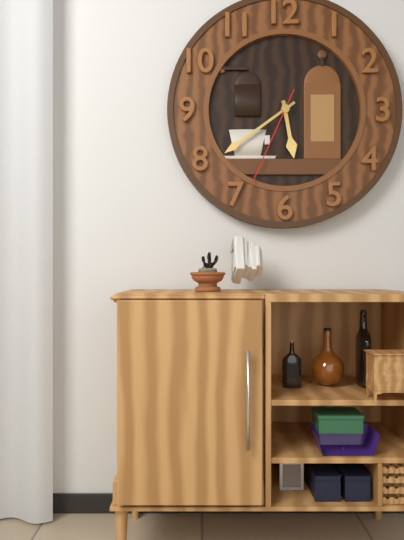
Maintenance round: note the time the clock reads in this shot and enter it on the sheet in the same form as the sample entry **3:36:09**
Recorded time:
**5:39:34**
